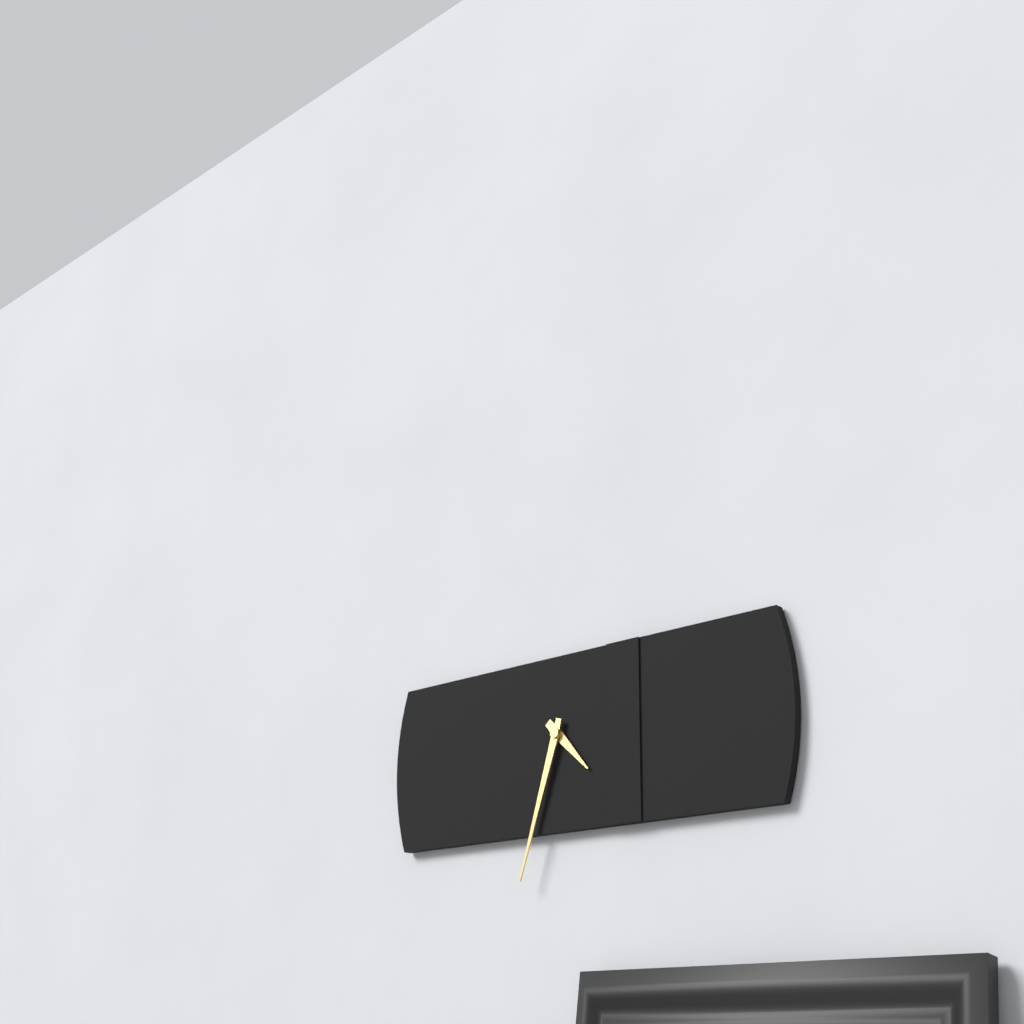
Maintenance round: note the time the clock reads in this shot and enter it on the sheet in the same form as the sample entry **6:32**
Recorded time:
**4:33**
